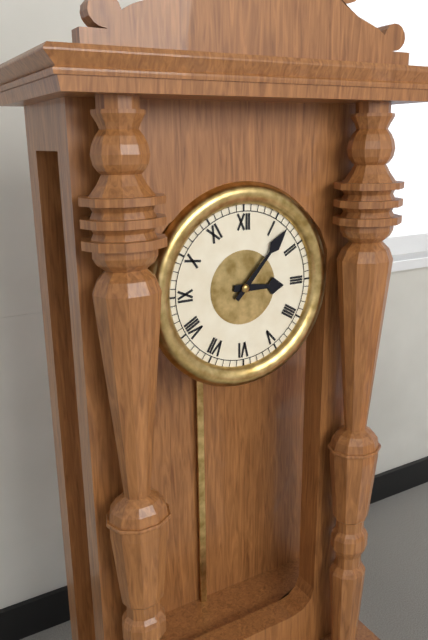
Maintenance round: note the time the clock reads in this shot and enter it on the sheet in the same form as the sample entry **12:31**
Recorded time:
**3:07**
